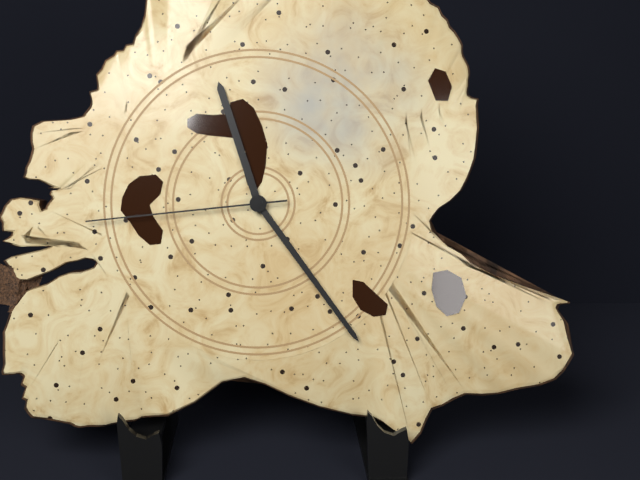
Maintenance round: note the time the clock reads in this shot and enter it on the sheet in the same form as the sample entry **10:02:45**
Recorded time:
**11:24:44**
